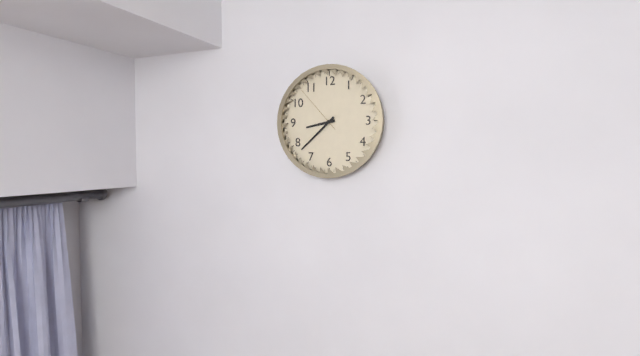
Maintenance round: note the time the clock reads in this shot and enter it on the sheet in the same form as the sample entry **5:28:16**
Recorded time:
**8:38:53**
